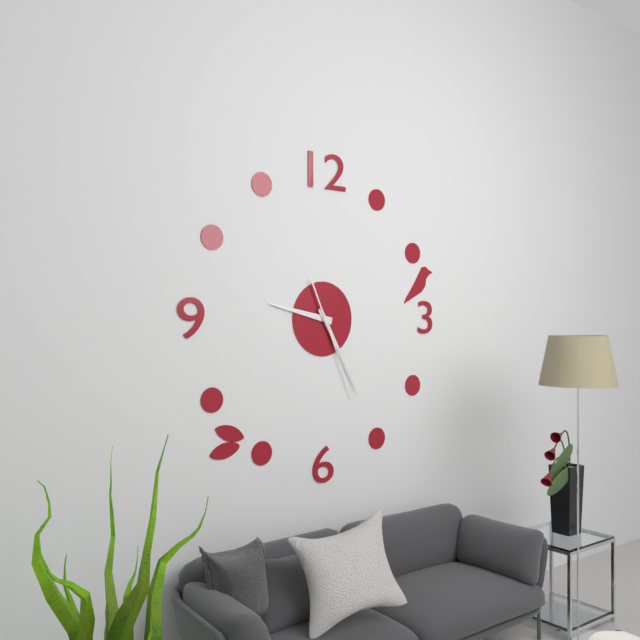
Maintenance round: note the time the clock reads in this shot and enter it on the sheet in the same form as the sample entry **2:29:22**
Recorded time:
**9:25:26**
